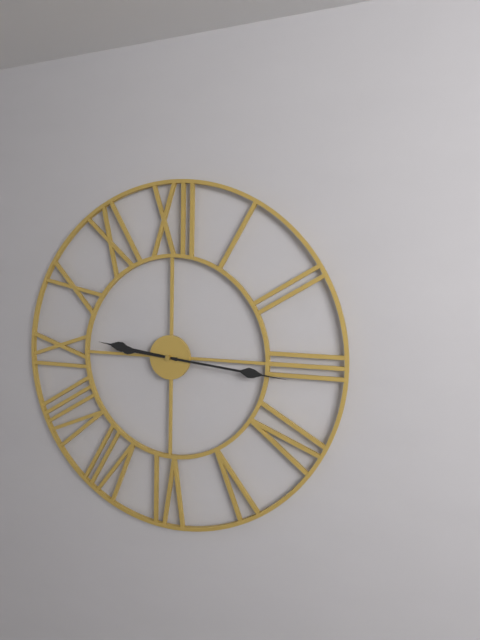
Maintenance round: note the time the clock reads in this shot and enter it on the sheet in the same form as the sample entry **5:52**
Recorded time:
**9:16**
